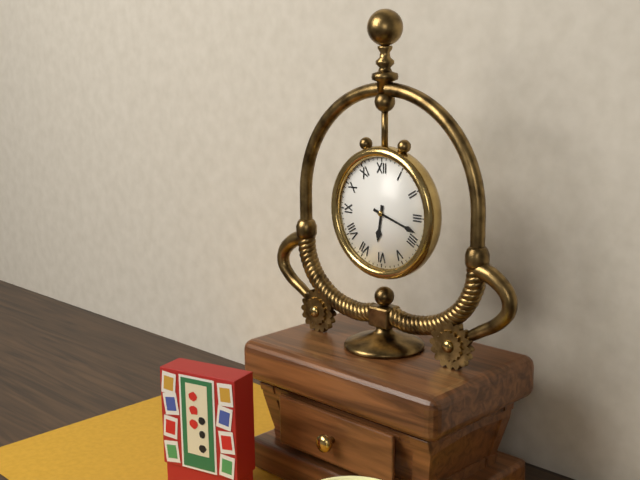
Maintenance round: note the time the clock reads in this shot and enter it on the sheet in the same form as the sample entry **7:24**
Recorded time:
**6:18**
